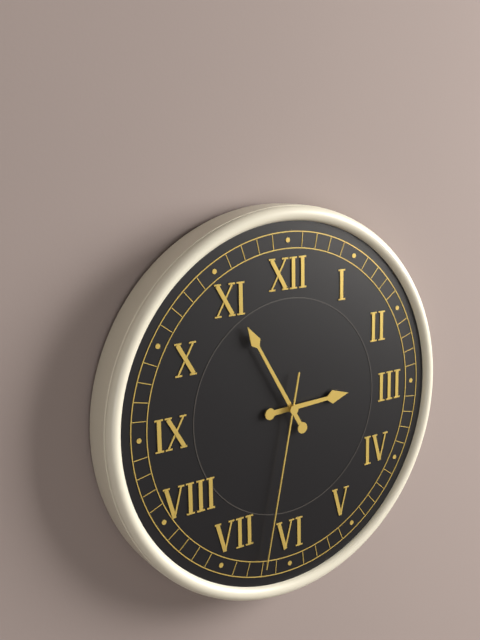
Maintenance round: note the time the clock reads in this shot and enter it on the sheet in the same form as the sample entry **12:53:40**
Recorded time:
**2:55:32**
